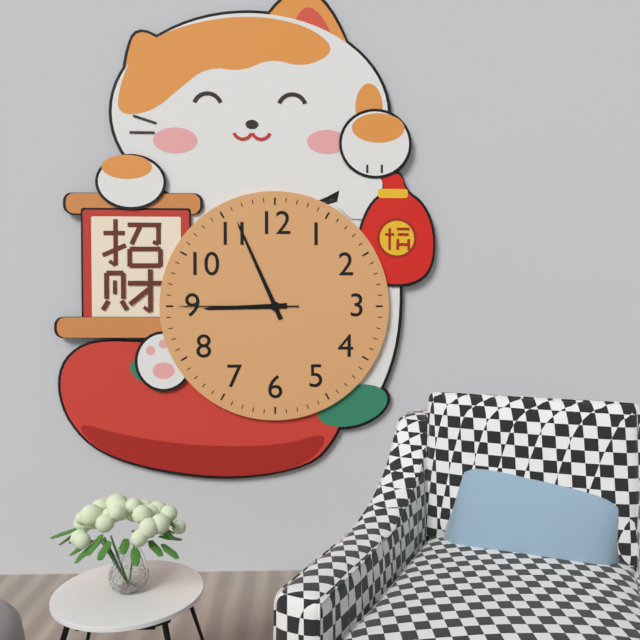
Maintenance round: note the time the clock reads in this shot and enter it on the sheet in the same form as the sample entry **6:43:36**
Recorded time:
**8:56:45**
